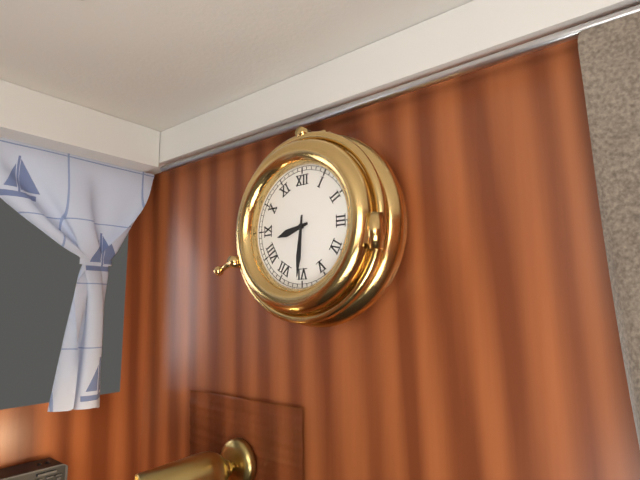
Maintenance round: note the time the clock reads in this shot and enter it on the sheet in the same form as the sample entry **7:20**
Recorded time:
**8:31**
